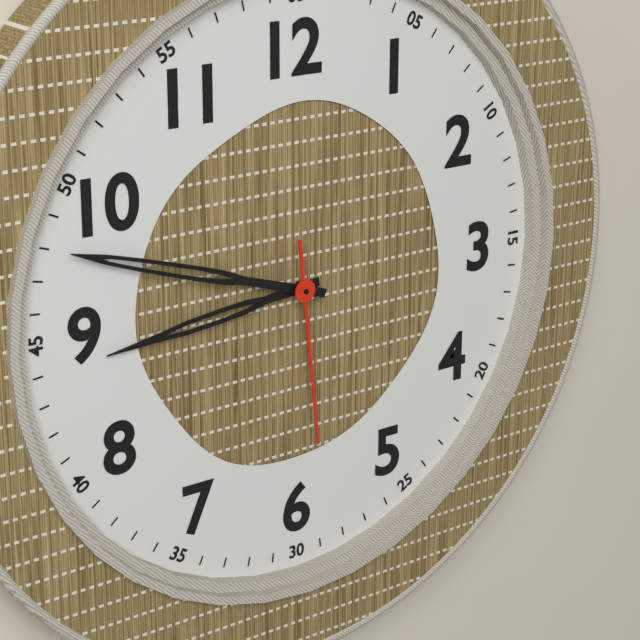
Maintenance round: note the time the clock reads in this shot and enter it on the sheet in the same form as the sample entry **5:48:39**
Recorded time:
**8:48:29**
